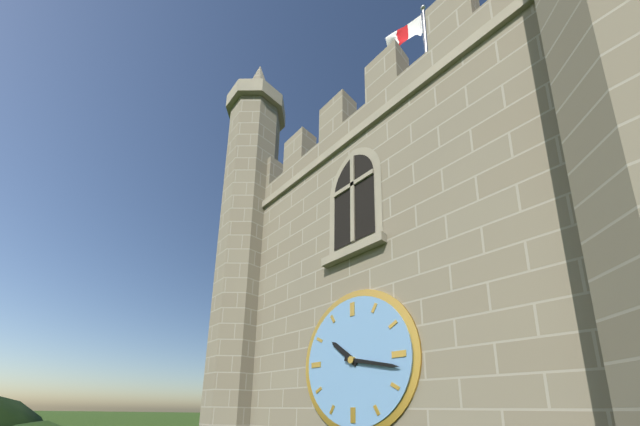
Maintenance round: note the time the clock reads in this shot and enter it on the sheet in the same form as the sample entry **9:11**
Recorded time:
**10:17**
